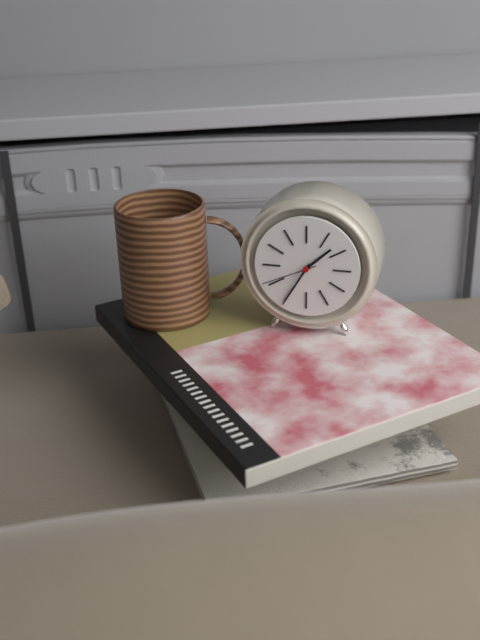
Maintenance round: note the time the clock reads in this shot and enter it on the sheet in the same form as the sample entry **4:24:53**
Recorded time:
**1:35:41**
